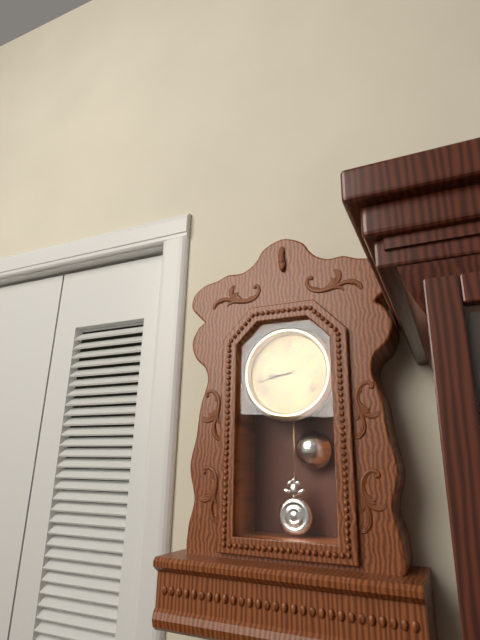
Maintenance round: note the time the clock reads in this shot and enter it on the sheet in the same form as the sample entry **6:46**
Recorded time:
**8:43**
